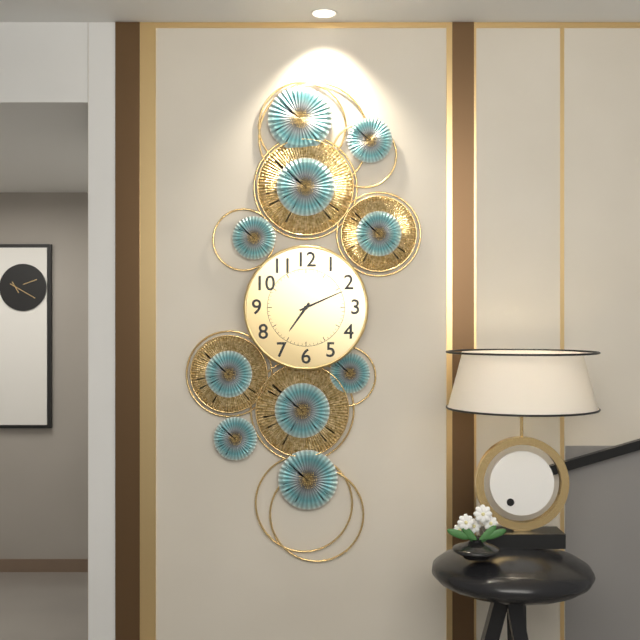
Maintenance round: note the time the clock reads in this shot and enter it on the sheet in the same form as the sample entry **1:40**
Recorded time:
**7:11**
